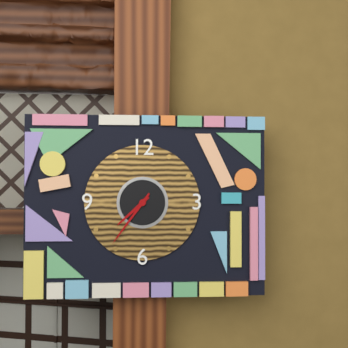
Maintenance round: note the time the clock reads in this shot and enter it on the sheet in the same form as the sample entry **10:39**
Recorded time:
**7:36**
